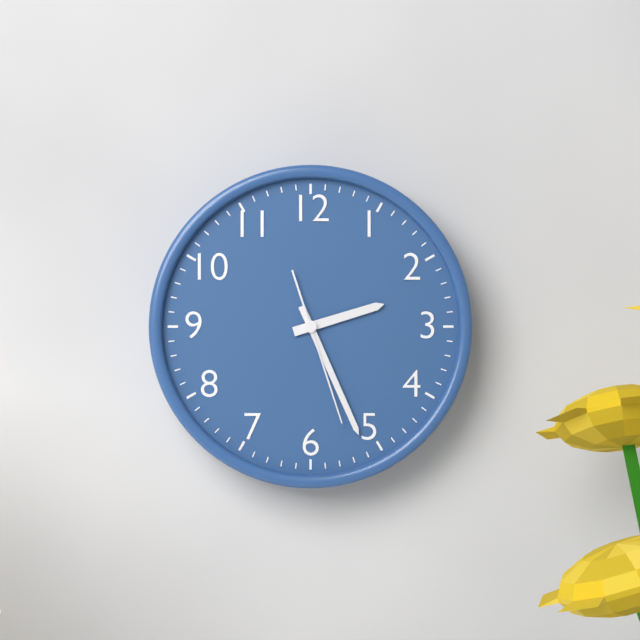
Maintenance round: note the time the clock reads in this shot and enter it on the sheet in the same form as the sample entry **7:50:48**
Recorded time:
**2:26:27**
